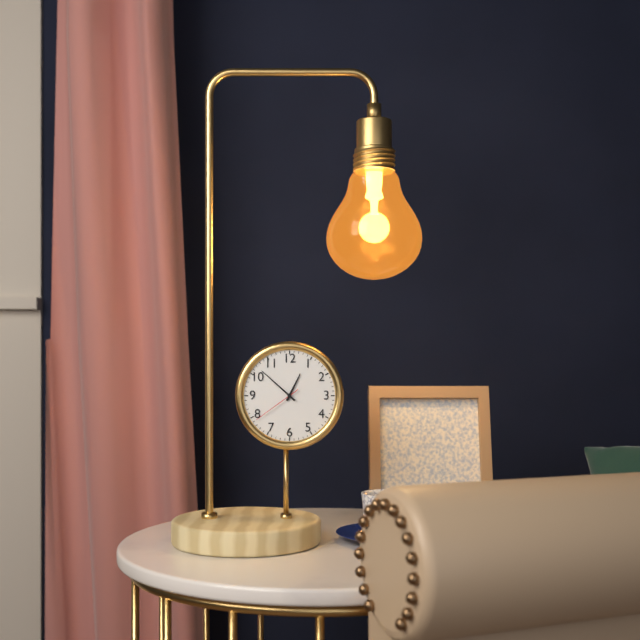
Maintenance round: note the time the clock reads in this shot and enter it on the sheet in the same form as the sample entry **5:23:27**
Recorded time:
**12:52:39**
